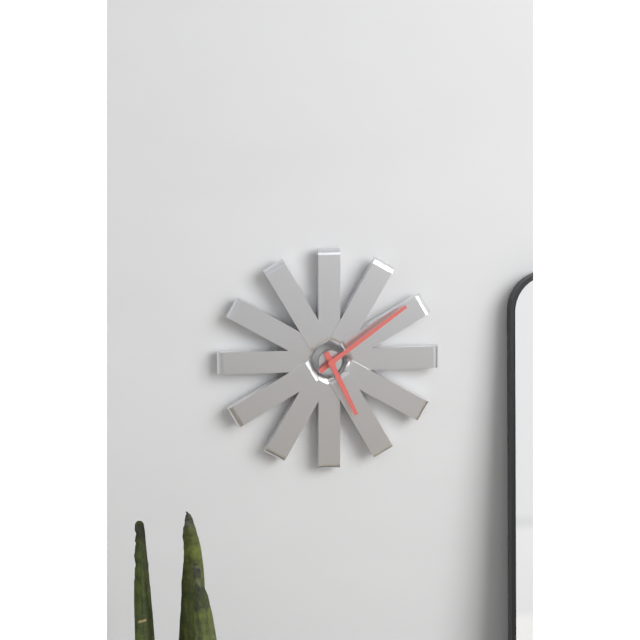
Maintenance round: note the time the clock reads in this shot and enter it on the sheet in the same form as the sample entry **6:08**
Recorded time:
**5:09**
